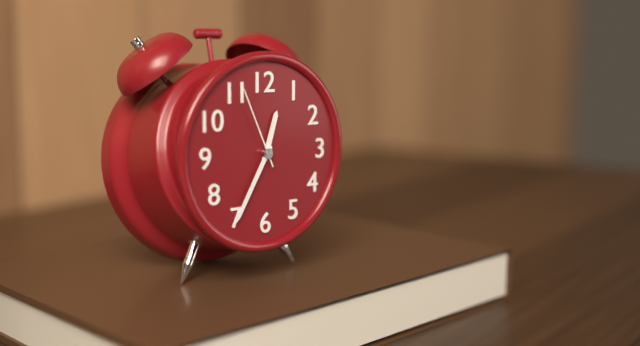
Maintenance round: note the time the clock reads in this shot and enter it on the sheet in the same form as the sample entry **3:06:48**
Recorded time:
**12:35:56**
